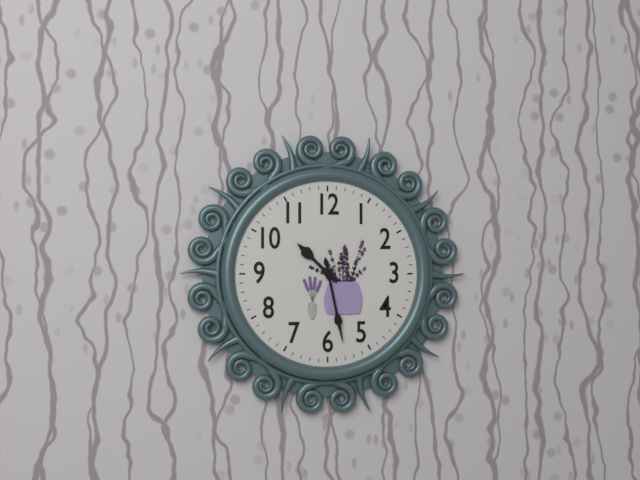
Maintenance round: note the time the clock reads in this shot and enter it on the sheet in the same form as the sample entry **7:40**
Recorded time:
**10:28**
